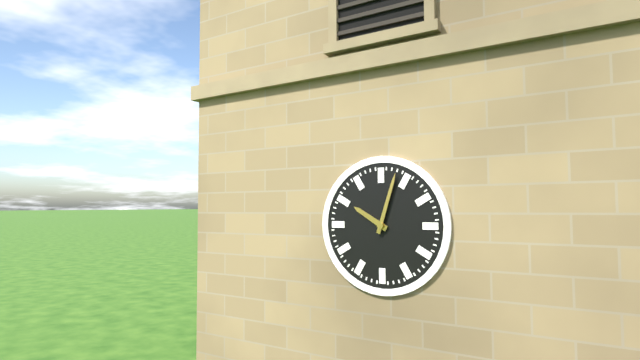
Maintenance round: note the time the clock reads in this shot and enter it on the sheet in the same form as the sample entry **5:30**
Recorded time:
**10:03**
